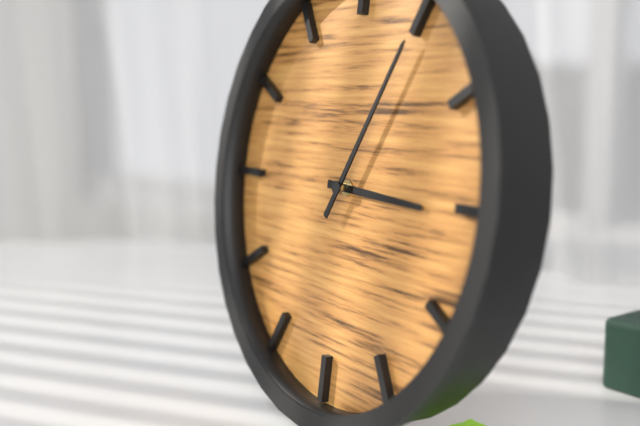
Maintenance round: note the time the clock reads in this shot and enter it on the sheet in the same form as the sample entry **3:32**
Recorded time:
**3:05**
